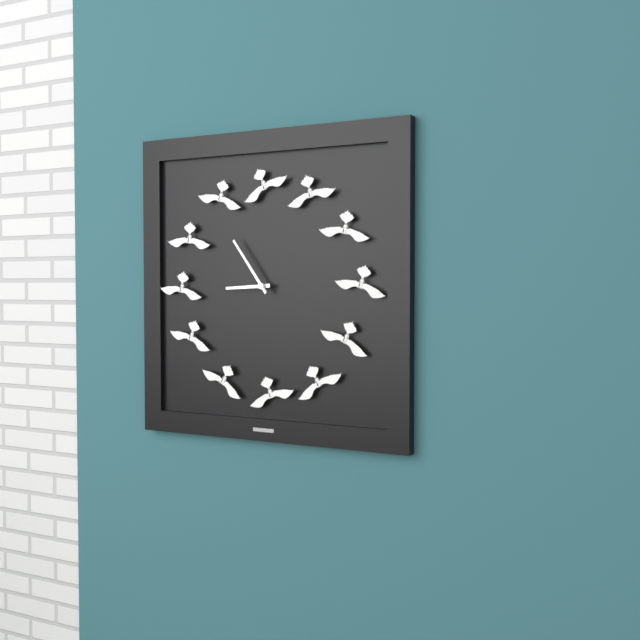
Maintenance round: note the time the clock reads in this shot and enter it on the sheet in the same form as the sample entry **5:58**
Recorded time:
**8:54**
